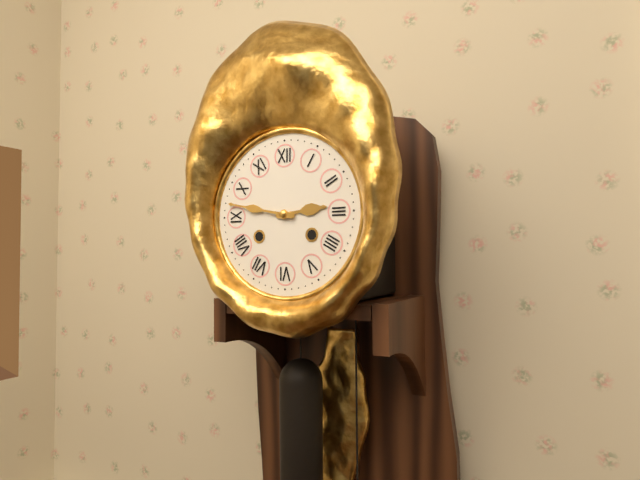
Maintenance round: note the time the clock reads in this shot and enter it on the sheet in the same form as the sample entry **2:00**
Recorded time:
**2:47**
